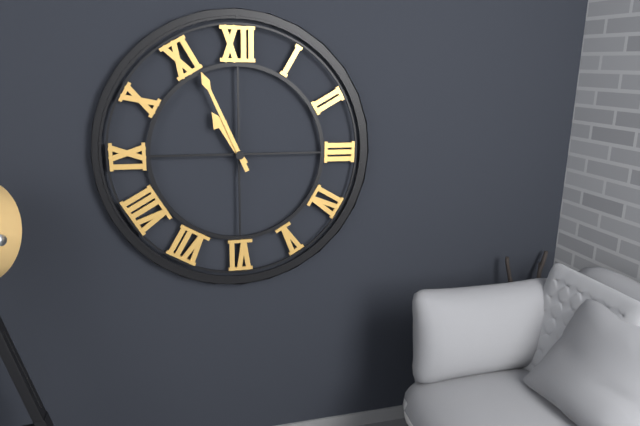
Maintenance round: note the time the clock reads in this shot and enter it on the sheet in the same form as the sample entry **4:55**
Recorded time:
**10:56**
